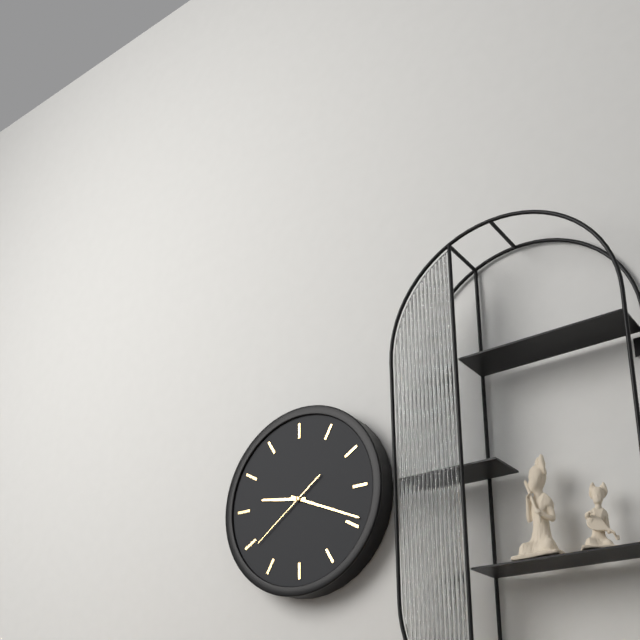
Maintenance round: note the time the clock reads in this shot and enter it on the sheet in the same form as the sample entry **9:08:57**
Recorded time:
**9:19:39**
